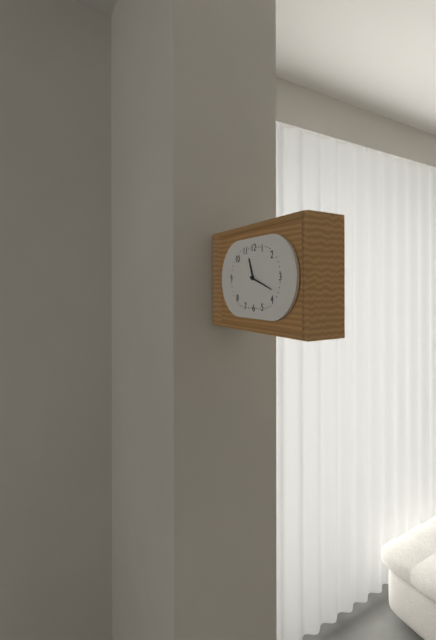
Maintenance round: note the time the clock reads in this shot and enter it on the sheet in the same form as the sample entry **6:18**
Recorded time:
**11:18**
